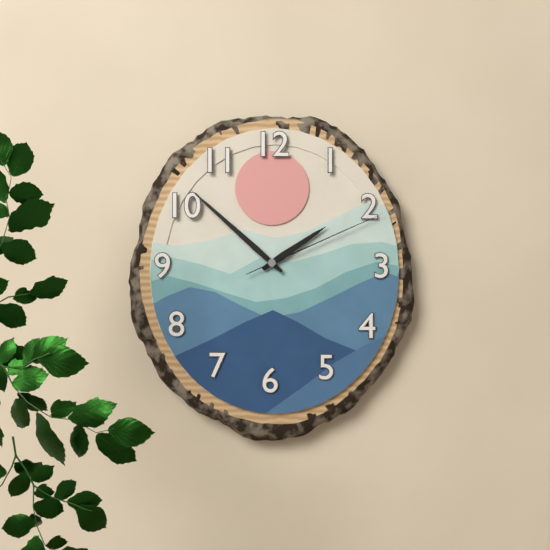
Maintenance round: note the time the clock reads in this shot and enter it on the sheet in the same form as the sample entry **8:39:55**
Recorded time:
**1:52:11**
